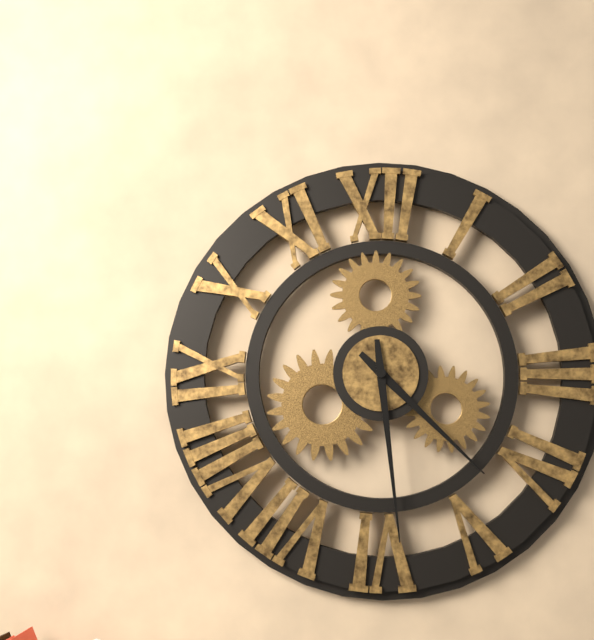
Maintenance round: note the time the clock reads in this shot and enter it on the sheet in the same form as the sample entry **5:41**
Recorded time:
**4:29**
